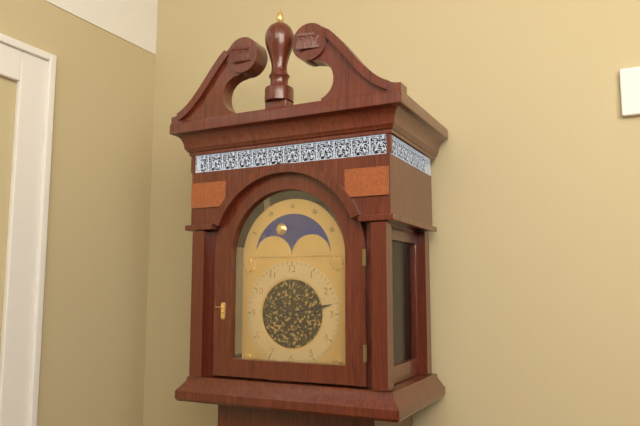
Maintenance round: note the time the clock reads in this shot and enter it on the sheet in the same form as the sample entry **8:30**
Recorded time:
**10:13**
